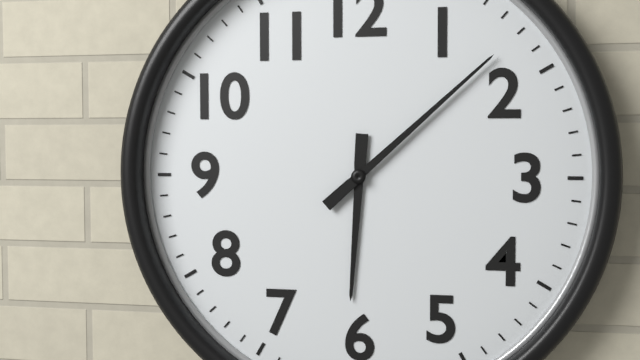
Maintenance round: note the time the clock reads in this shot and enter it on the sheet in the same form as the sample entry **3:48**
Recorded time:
**6:08**
